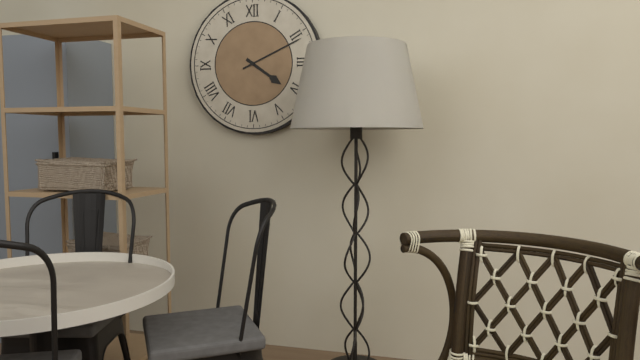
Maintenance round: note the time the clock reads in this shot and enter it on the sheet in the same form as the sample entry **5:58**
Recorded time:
**4:11**
